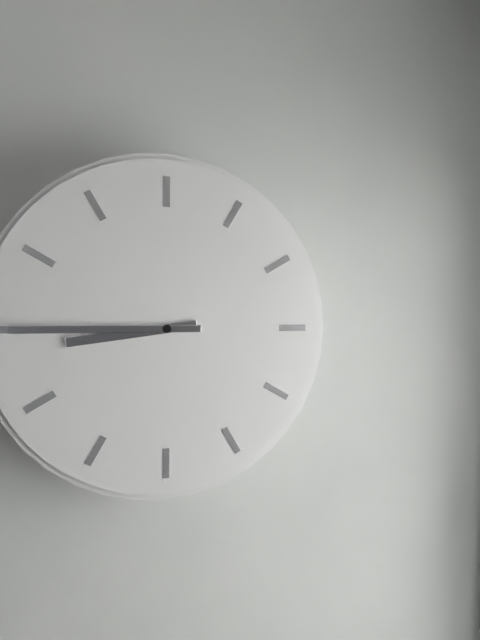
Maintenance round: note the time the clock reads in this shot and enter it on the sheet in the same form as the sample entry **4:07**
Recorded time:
**8:45**
